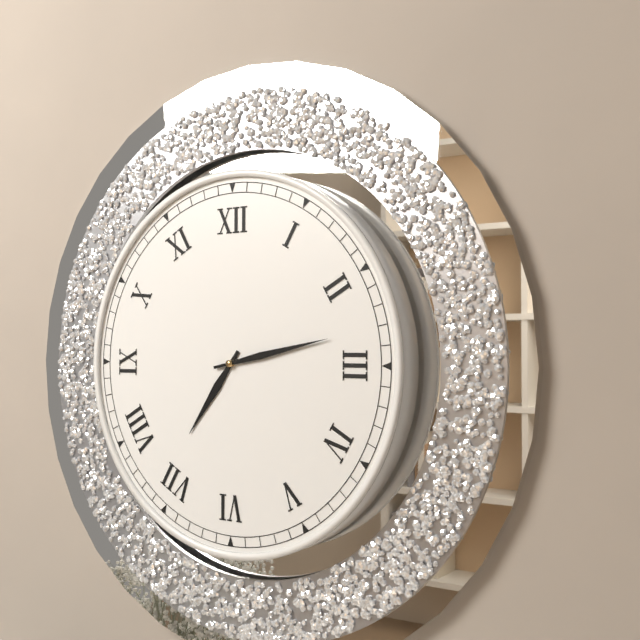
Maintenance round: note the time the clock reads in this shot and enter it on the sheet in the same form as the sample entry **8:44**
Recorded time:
**7:13**
